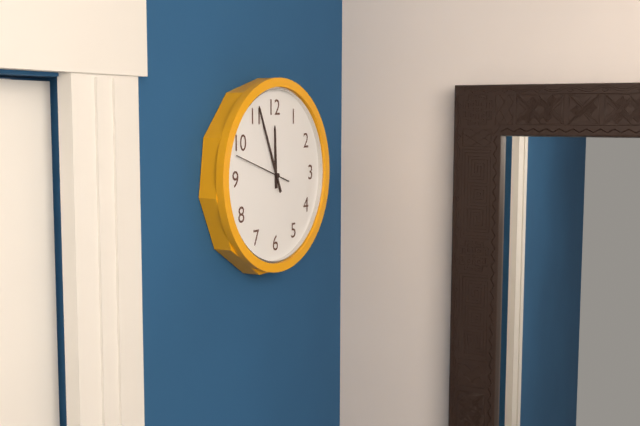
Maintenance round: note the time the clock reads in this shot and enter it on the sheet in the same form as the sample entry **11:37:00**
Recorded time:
**11:56:48**
